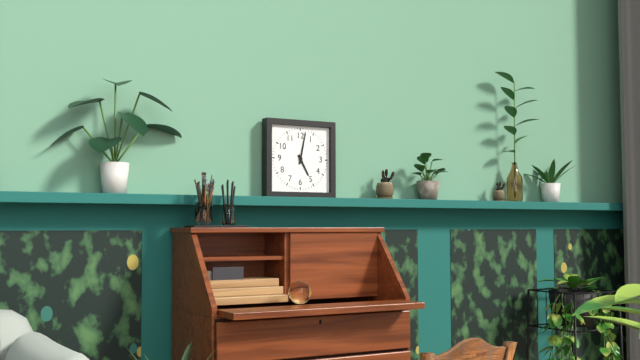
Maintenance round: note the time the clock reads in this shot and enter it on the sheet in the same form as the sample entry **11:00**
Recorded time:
**5:02**
